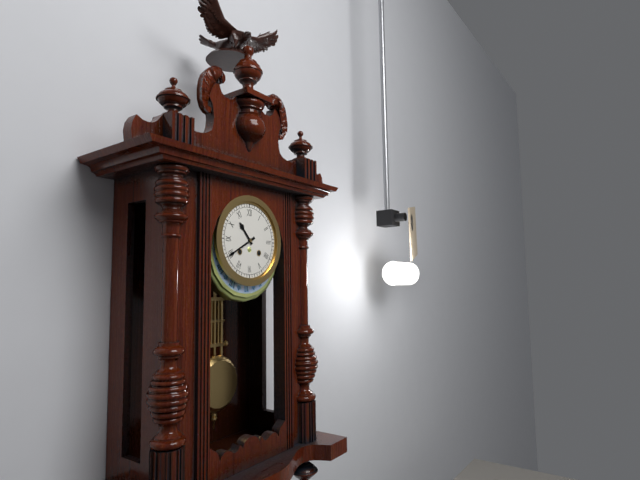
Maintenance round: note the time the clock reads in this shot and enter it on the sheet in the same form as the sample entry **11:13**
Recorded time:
**10:40**
